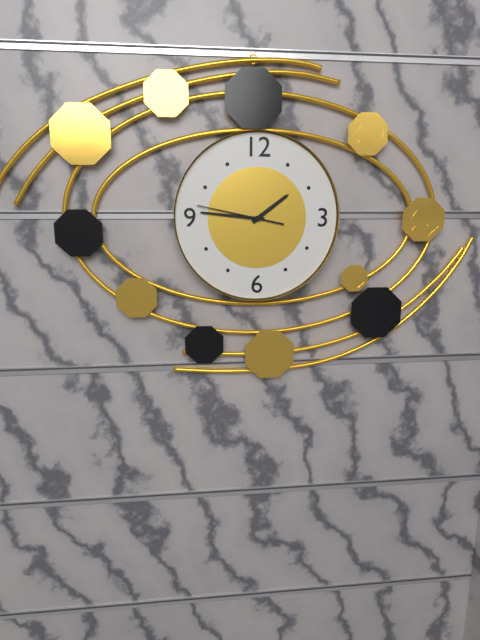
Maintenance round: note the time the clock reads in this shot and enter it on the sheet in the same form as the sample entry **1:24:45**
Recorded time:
**1:46:47**
